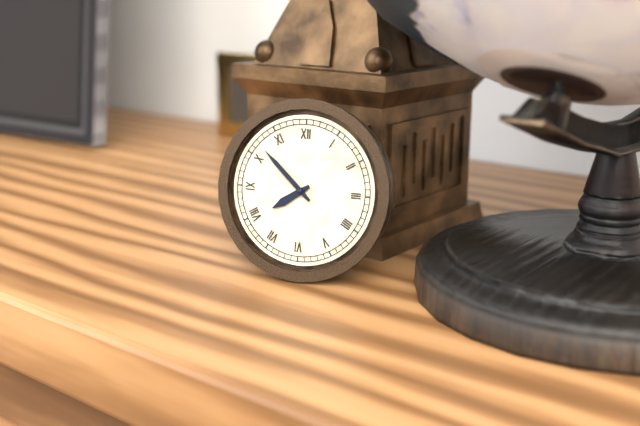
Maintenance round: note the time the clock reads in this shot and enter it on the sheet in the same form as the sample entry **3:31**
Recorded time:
**7:52**
